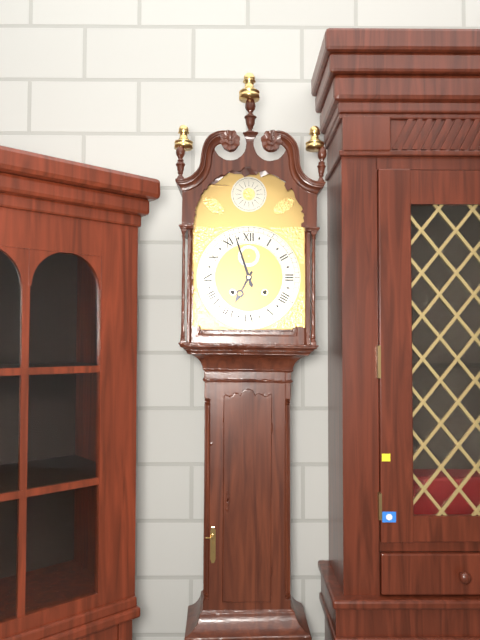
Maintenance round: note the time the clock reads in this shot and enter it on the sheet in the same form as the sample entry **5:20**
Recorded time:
**6:57**
